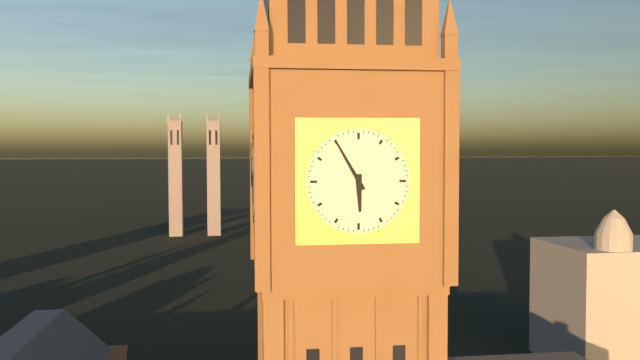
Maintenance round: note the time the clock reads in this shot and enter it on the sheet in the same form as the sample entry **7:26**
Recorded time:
**5:55**
